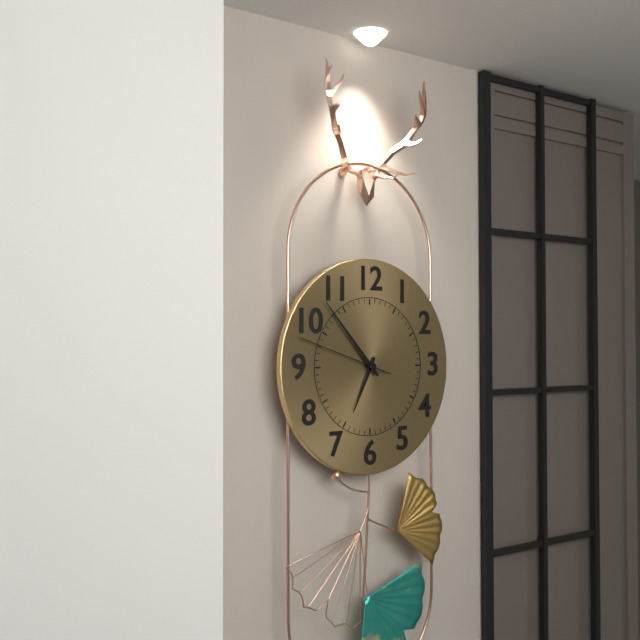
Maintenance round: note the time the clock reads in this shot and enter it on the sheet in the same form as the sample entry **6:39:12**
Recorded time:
**6:53:48**
